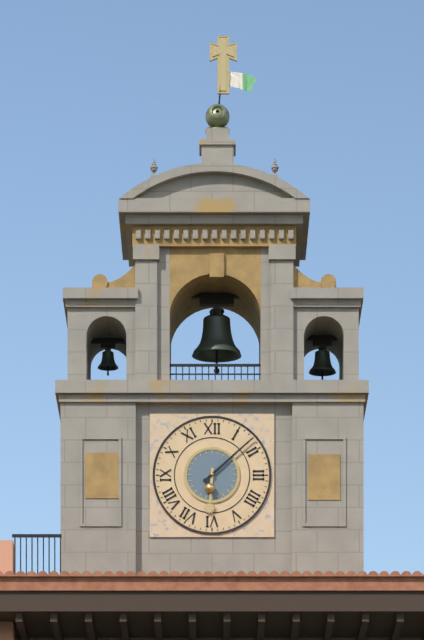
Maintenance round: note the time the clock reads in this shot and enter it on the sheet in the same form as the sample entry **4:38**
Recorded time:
**6:08**
